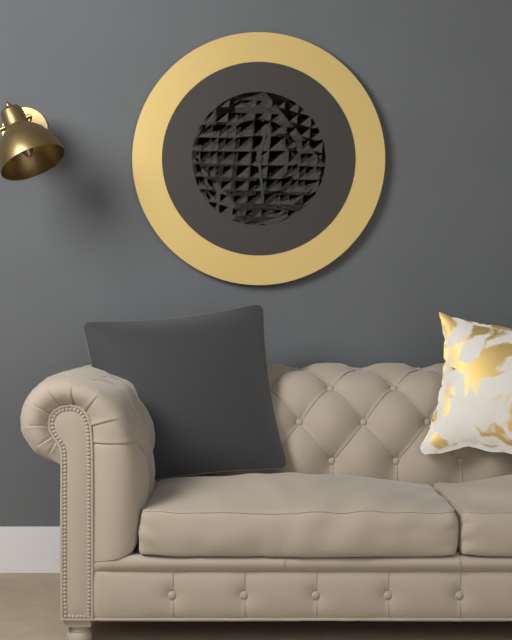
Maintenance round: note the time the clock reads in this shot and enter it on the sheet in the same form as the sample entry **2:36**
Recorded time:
**12:29**
